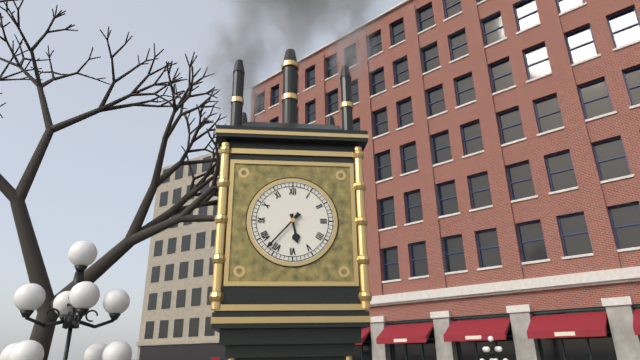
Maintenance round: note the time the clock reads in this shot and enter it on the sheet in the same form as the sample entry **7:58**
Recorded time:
**5:37**
